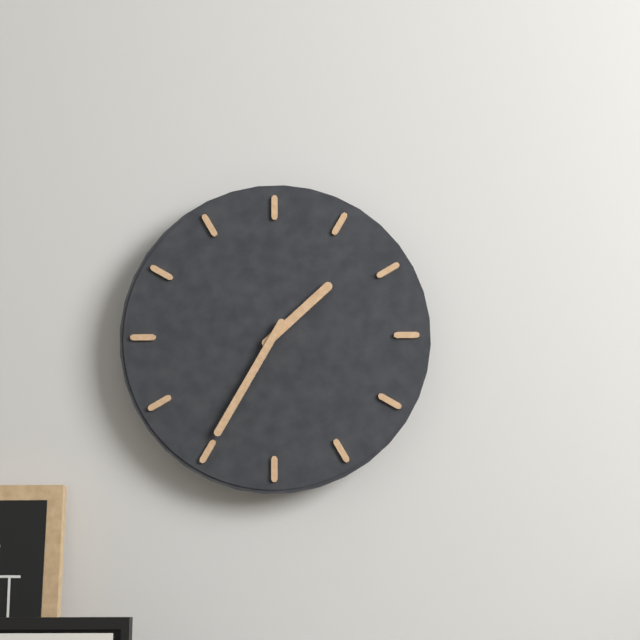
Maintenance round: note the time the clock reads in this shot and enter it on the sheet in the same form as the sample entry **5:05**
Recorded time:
**1:35**
